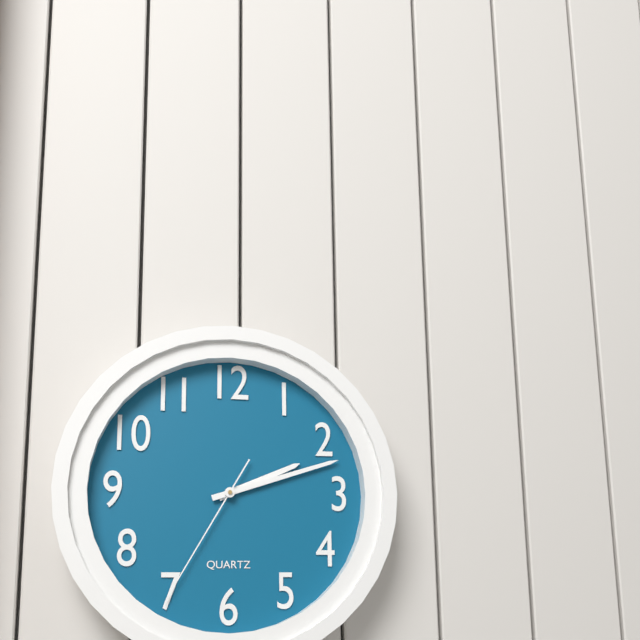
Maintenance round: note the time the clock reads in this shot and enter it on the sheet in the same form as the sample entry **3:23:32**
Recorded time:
**2:12:35**
